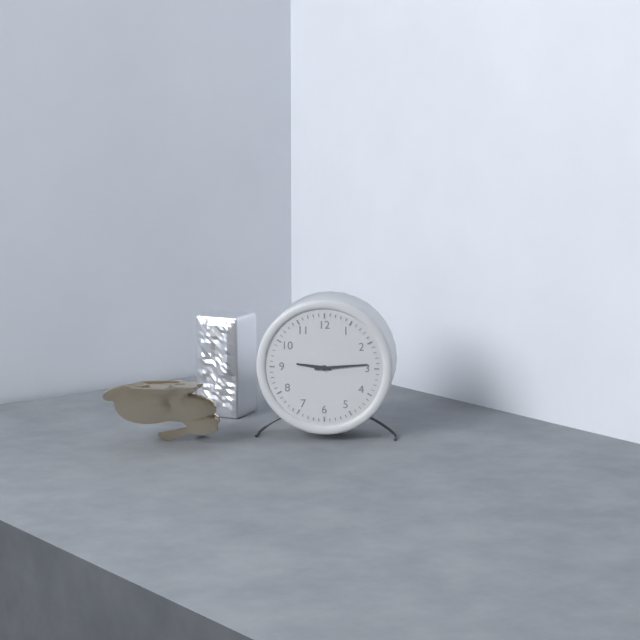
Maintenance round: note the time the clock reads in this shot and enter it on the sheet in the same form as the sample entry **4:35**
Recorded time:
**9:14**
